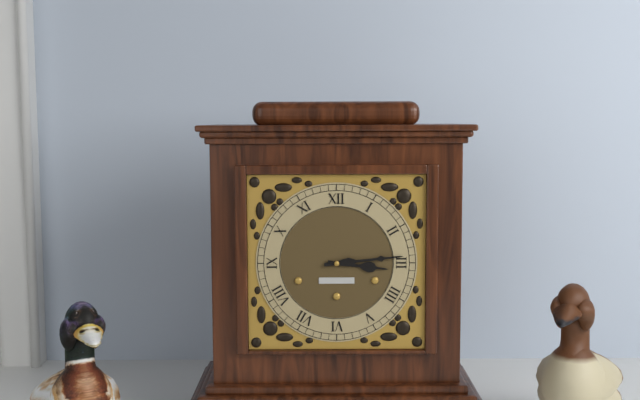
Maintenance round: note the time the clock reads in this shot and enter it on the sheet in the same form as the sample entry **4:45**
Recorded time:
**3:14**
